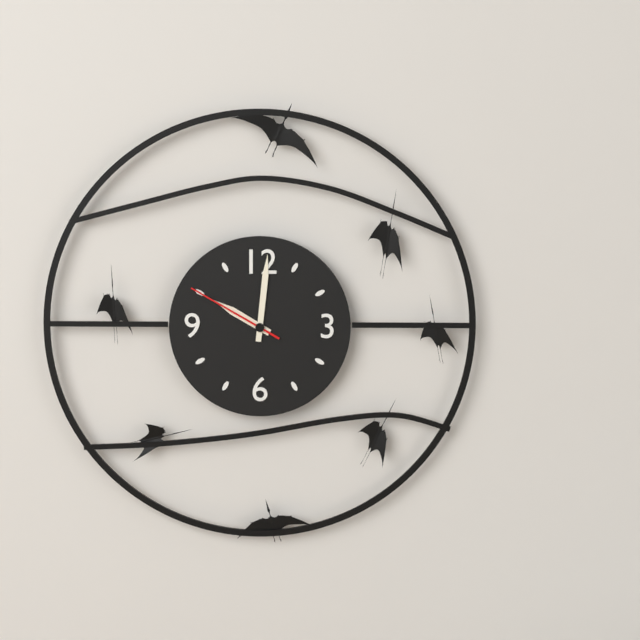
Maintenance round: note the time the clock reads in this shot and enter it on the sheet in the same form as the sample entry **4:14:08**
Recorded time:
**10:01:50**
